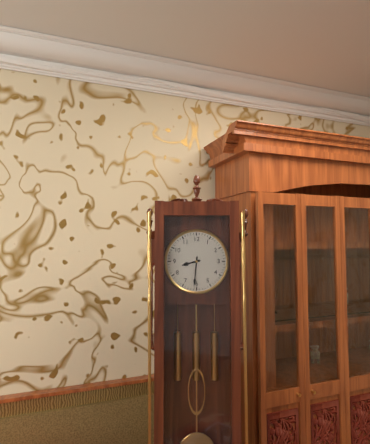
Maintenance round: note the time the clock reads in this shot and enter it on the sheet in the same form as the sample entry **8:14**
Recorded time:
**8:31**
